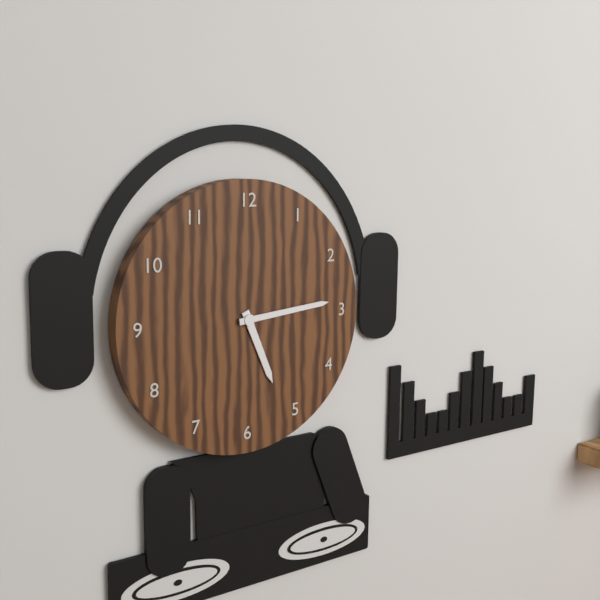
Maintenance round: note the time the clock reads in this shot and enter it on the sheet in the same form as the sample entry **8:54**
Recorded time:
**5:14**
